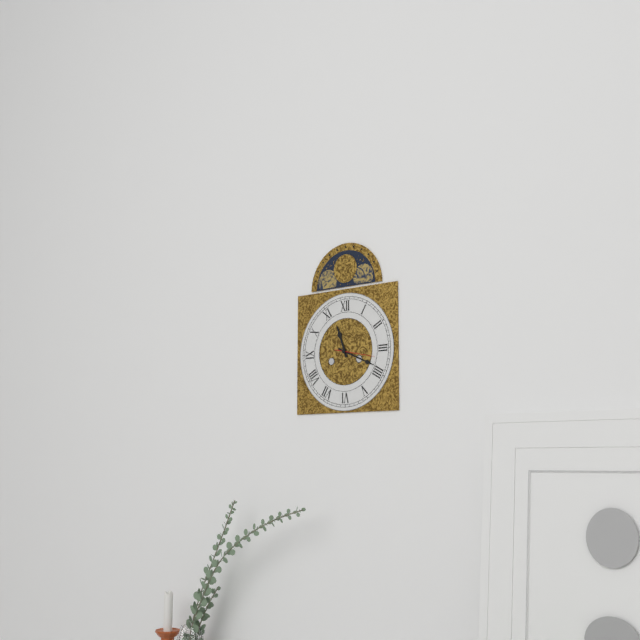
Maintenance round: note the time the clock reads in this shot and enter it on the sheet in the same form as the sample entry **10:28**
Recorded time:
**11:19**
